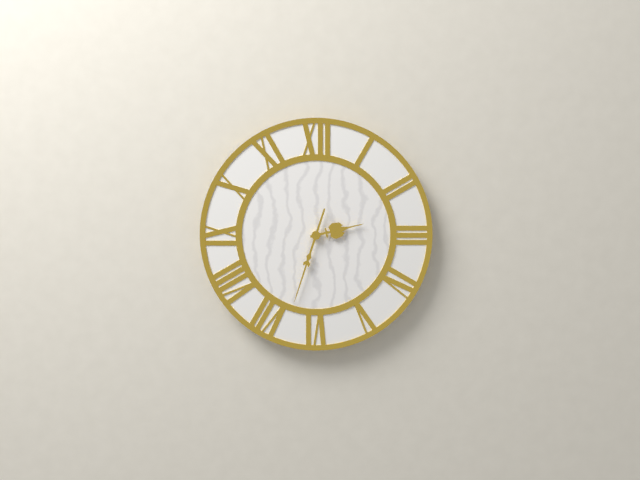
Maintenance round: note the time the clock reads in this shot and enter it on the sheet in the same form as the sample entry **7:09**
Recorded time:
**2:33**
